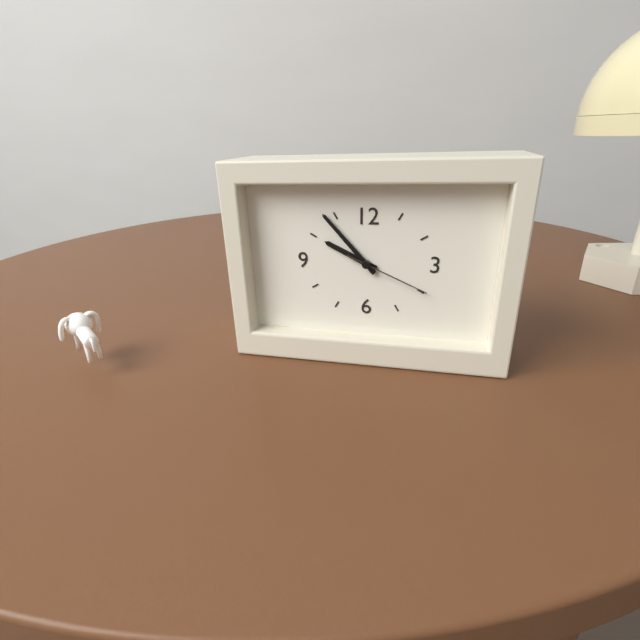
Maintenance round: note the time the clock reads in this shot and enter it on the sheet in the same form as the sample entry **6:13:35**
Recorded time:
**9:53:19**
